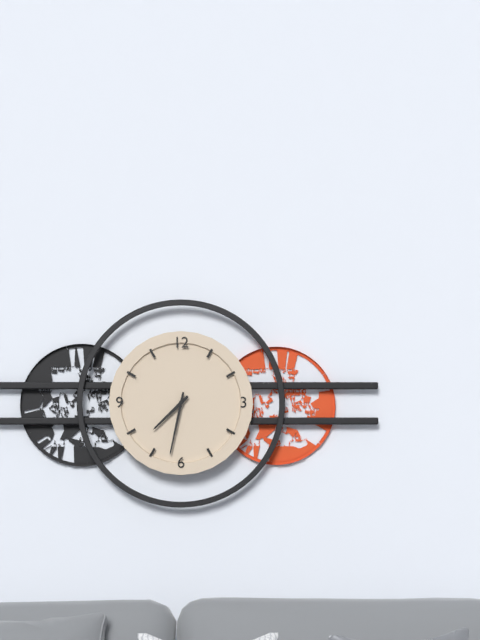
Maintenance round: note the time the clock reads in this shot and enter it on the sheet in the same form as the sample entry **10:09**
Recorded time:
**7:32**
